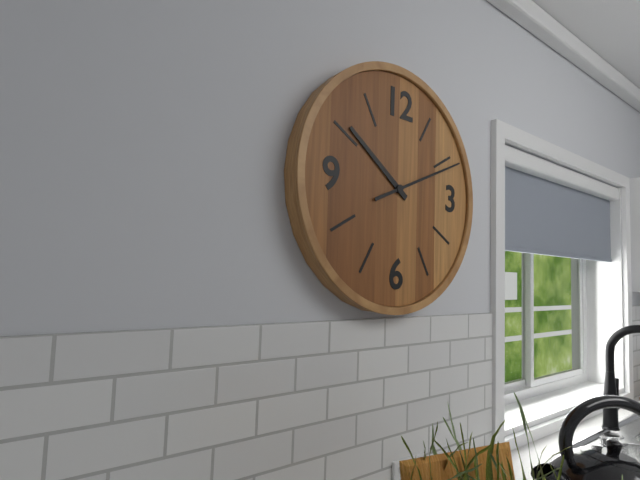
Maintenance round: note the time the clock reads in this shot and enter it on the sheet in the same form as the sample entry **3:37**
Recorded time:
**10:11**
